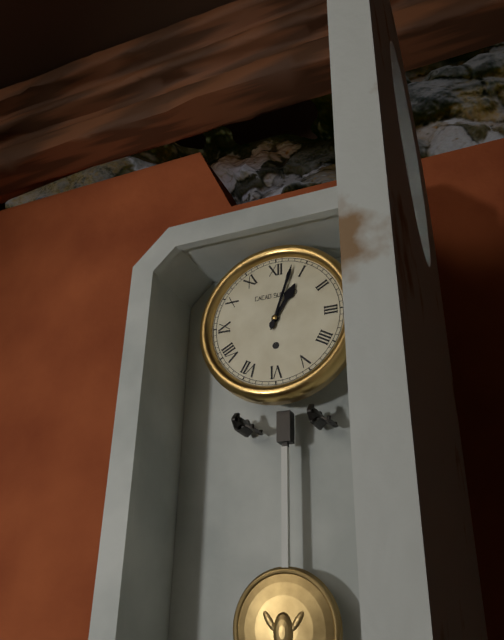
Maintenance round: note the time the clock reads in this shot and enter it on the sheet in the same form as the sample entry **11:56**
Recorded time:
**1:03**
